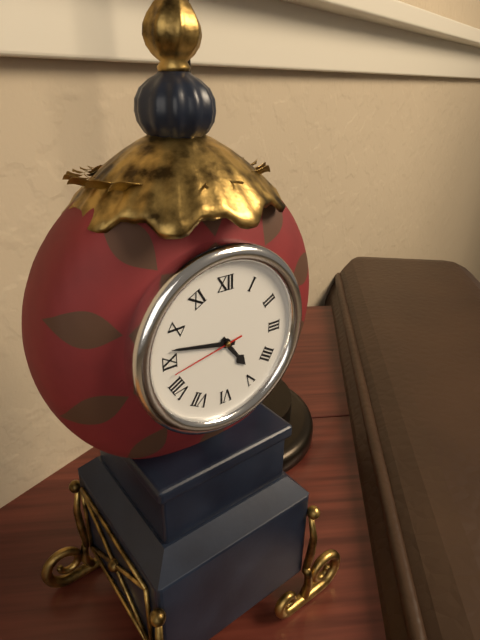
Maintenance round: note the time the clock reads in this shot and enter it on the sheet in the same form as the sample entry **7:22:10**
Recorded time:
**4:47:43**
